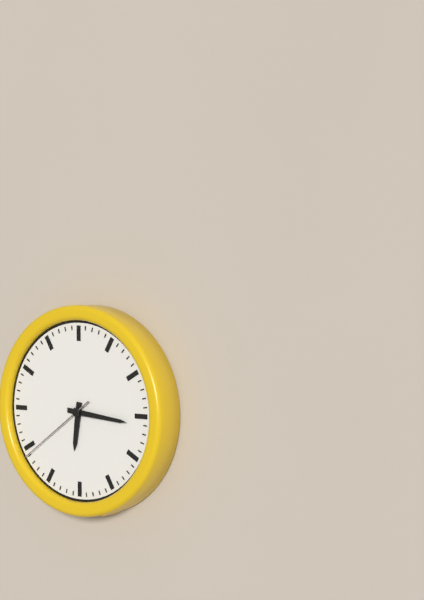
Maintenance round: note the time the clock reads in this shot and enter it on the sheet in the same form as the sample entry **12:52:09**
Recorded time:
**6:16:39**
